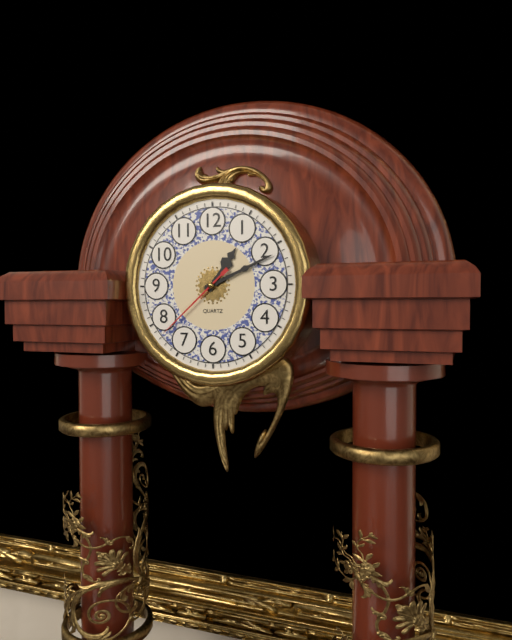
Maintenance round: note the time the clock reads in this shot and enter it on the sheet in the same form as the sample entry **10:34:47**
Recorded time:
**1:11:38**
